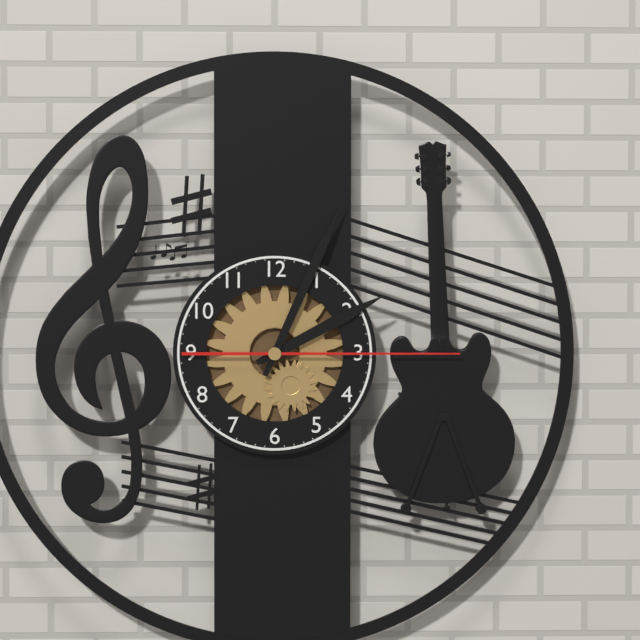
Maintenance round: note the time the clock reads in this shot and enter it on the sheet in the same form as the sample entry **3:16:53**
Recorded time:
**2:04:15**
